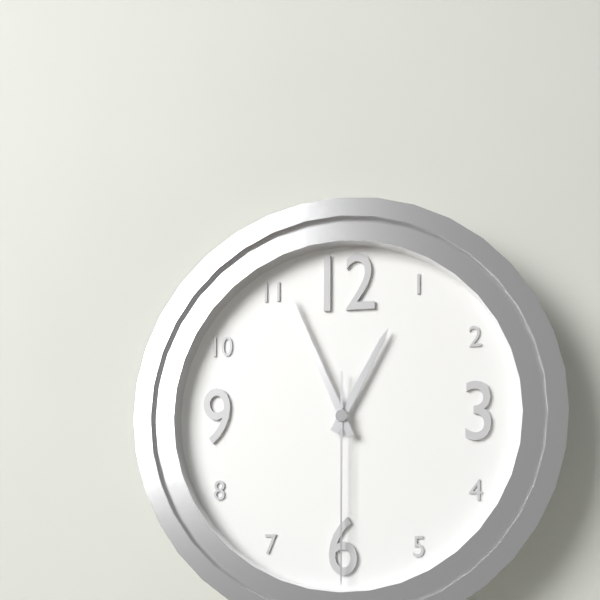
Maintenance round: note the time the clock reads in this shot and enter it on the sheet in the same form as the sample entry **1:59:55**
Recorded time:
**12:56:30**
